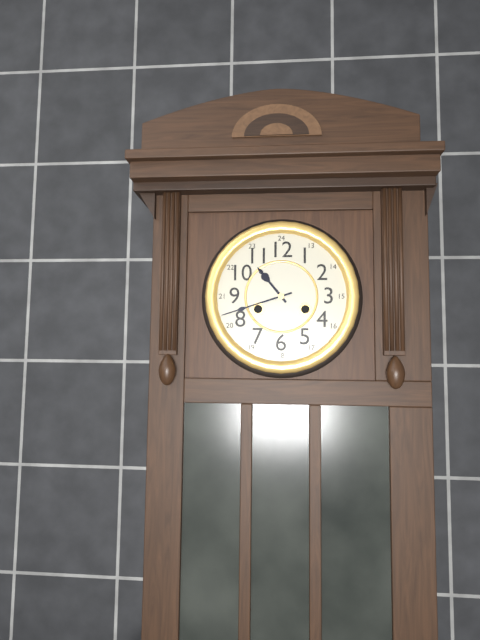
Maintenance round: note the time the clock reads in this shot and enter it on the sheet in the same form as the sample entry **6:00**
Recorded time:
**10:42**
